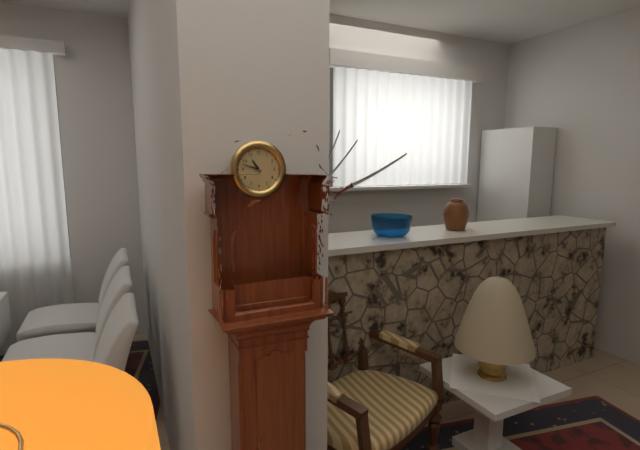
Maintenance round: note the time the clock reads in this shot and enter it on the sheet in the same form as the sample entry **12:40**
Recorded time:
**10:48**
